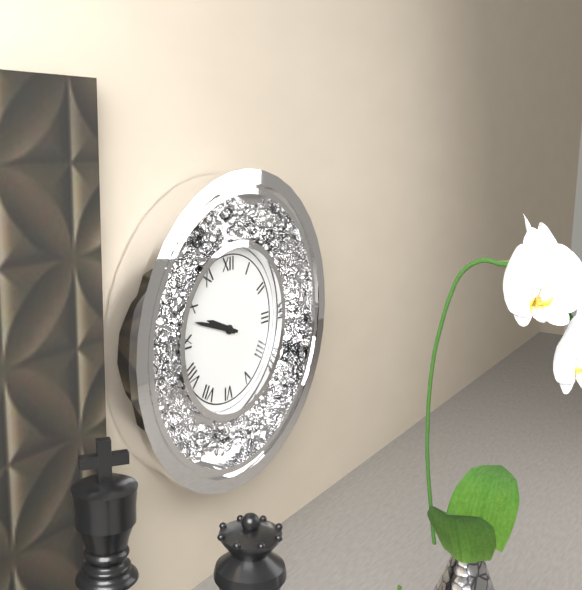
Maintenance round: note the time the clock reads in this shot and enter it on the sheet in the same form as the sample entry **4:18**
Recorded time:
**9:48**
